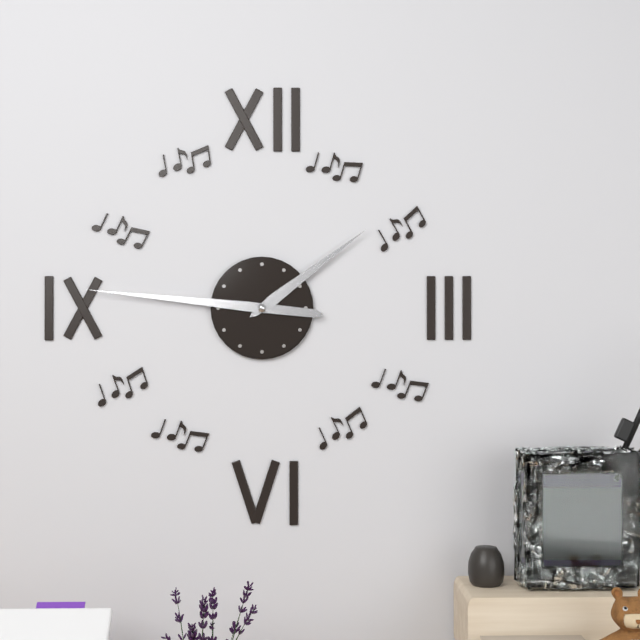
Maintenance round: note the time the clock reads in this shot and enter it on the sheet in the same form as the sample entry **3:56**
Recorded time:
**1:46**
